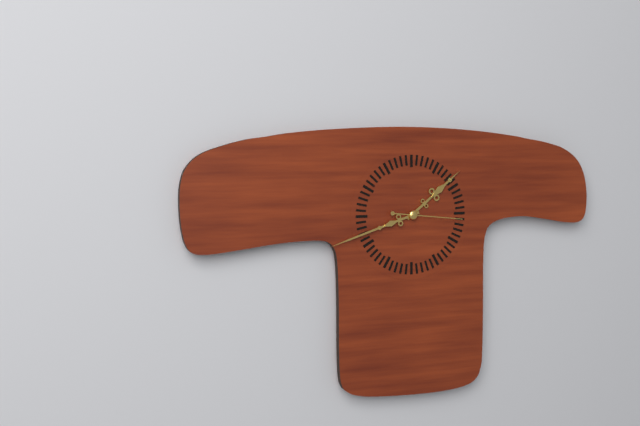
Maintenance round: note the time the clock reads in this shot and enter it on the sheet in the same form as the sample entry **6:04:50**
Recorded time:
**1:42:16**
